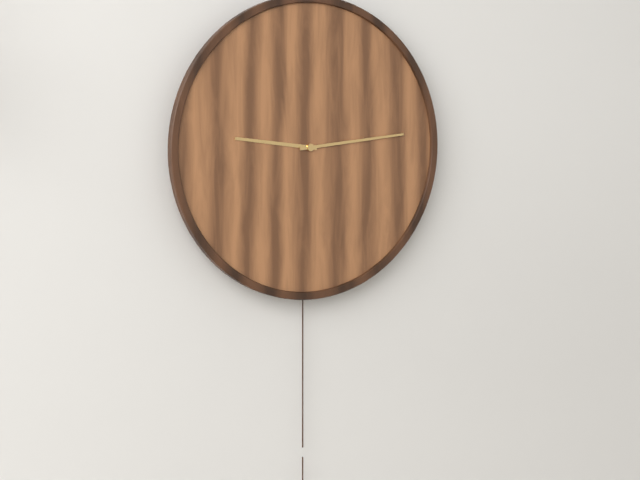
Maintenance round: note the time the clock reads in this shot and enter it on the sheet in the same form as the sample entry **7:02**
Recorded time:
**9:14**
